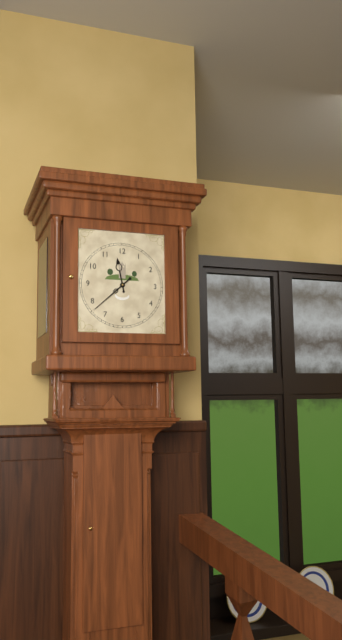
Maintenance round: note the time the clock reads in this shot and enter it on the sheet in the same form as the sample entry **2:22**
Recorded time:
**11:38**
